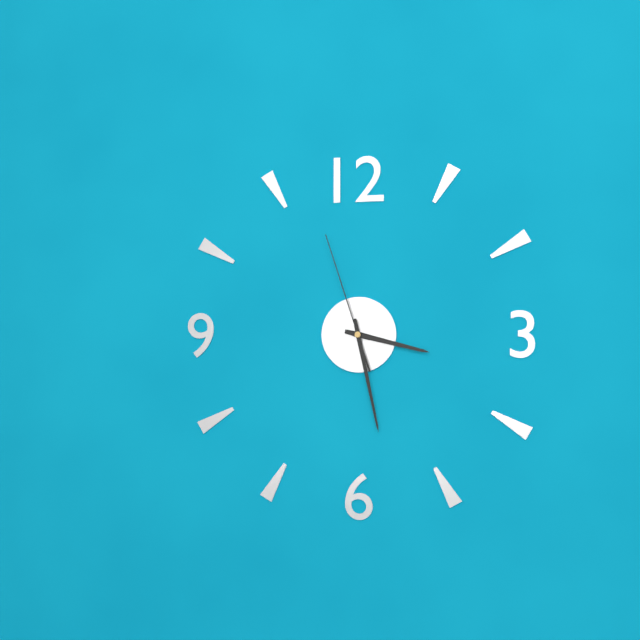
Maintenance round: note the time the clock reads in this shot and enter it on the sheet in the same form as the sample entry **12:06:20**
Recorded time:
**3:28:57**
